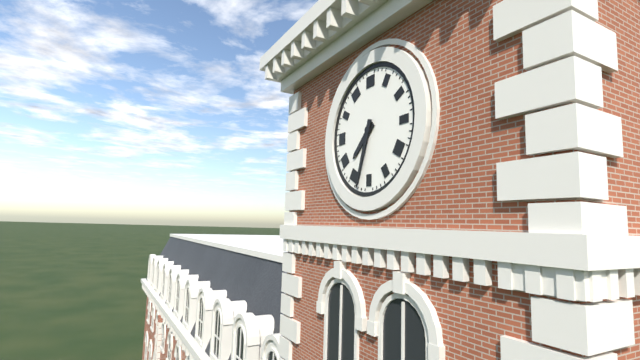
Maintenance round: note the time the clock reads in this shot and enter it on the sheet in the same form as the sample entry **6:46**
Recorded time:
**7:33**
